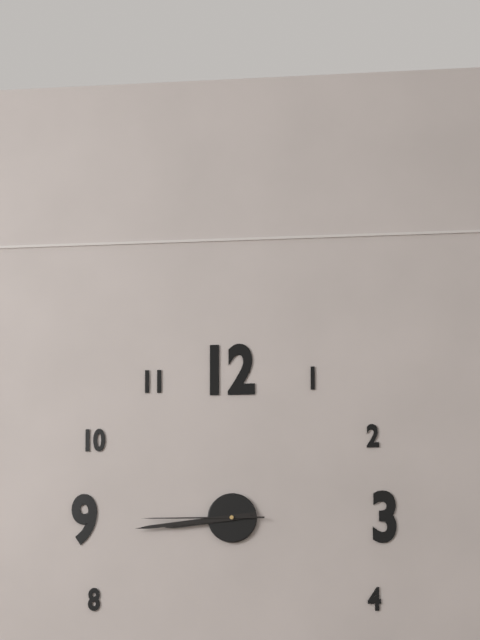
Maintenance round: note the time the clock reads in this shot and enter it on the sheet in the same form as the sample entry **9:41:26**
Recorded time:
**8:44:45**
